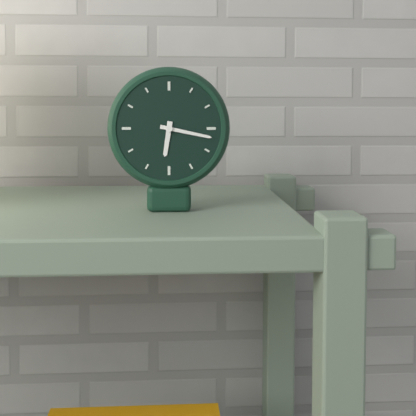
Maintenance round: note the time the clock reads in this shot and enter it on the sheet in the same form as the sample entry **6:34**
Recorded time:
**6:17**
